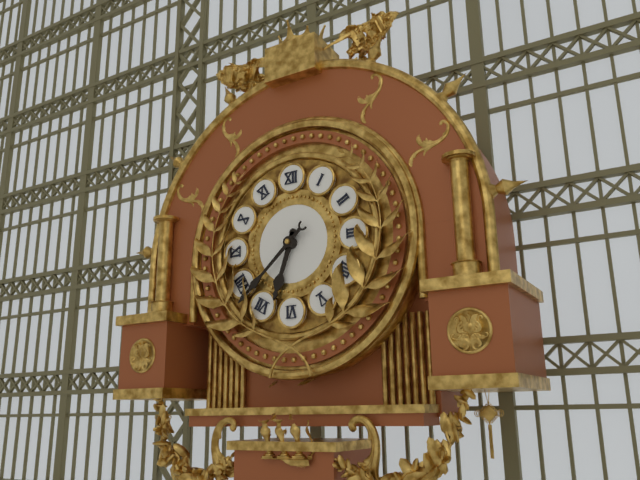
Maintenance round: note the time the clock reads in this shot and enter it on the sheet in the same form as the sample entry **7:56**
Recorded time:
**6:38**
